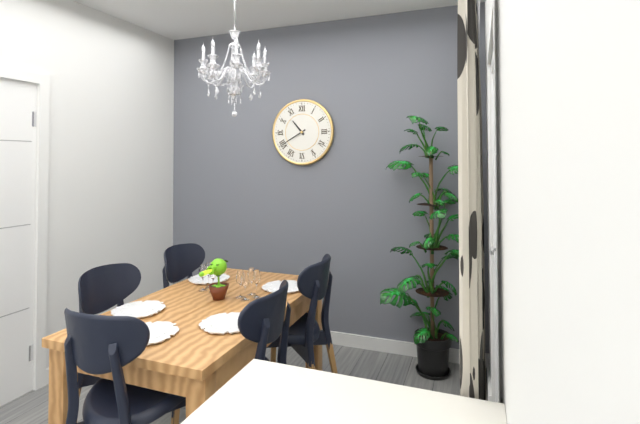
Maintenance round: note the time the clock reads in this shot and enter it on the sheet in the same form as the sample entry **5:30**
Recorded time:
**10:40**
